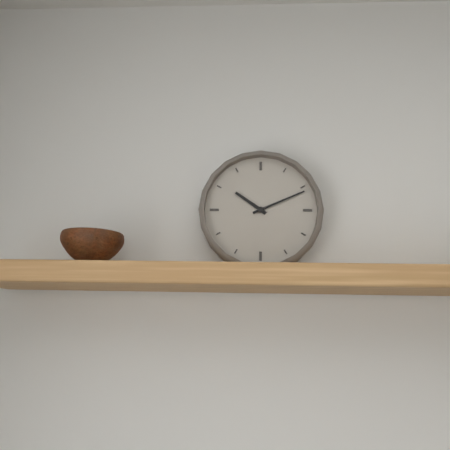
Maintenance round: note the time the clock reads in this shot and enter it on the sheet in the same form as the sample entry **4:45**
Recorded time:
**10:11**
